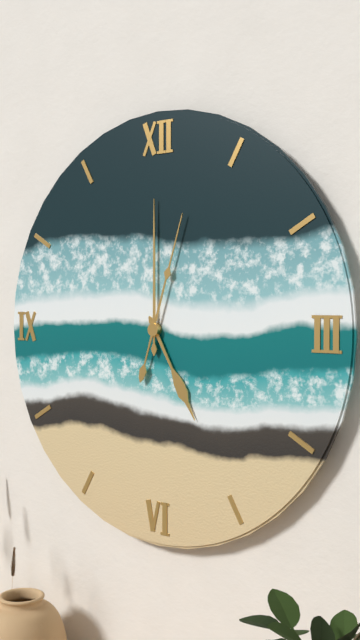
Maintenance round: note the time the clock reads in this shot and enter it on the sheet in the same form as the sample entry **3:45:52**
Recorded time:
**5:00:03**
